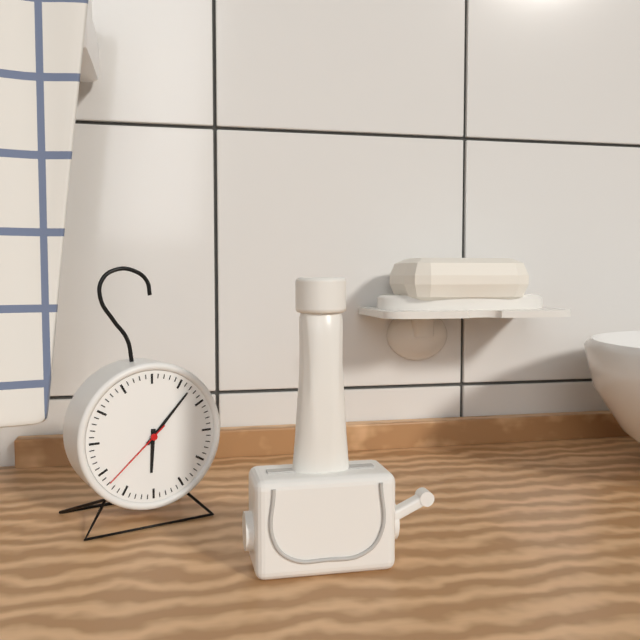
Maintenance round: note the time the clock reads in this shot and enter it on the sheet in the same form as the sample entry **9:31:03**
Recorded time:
**6:07:38**
